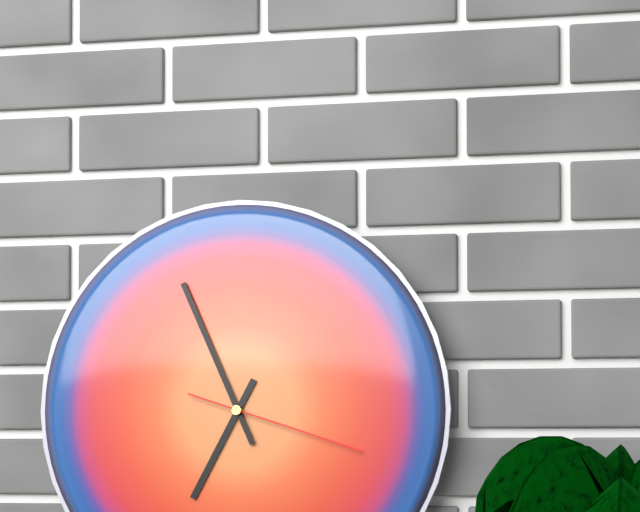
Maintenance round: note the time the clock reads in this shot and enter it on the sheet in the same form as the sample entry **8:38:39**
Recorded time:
**6:56:18**
